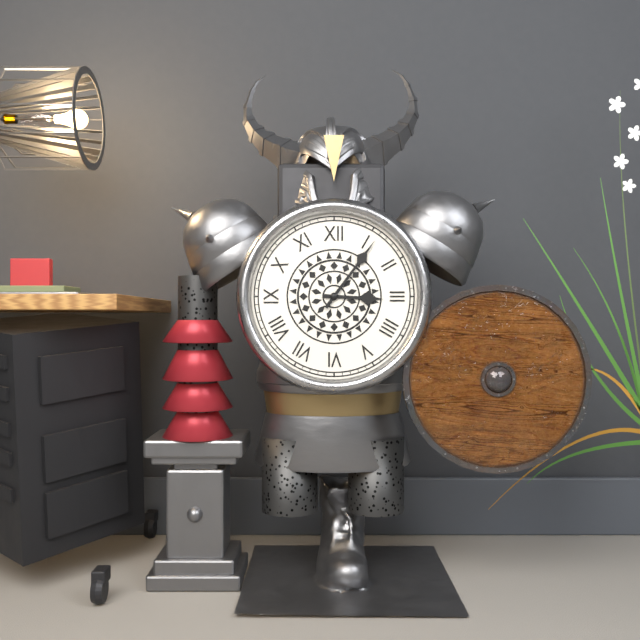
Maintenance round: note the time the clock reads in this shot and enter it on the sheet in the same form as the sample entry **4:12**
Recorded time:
**3:06**
